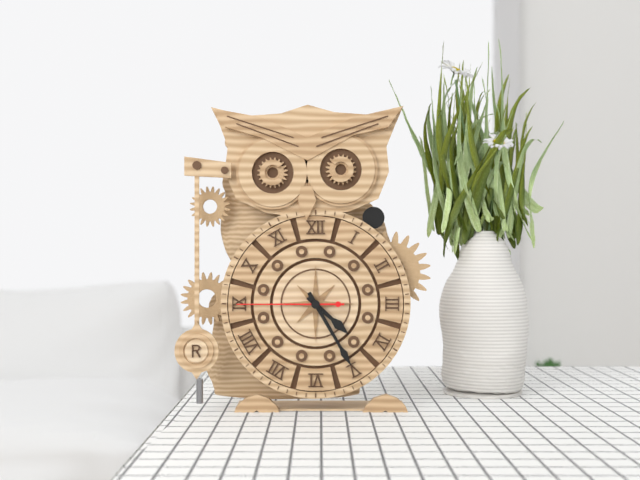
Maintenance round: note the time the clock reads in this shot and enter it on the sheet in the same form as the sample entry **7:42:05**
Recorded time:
**4:25:45**
